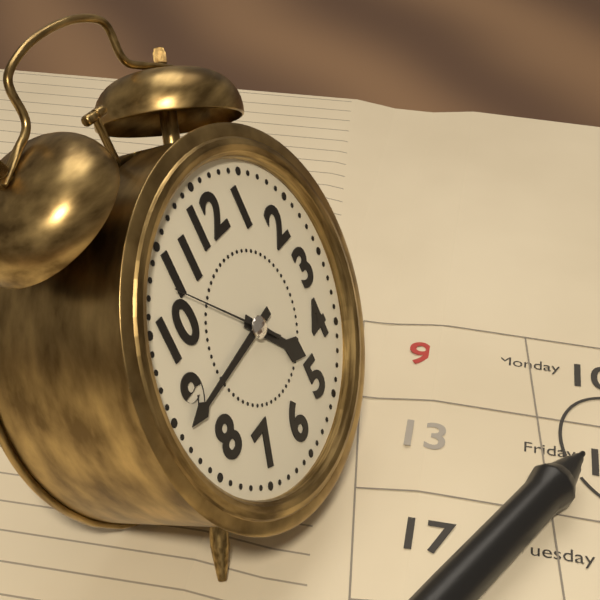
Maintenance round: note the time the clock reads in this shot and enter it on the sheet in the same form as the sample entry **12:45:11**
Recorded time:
**4:44:53**
